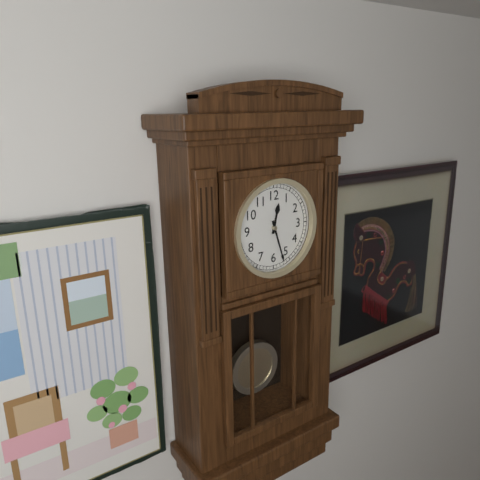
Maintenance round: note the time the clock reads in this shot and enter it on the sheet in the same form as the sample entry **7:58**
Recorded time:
**12:27**
